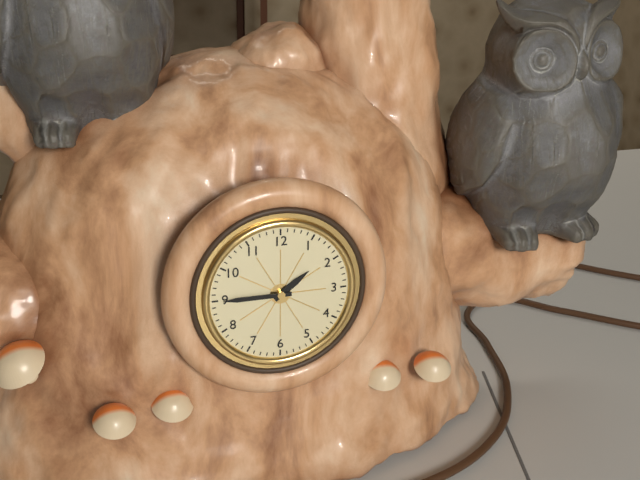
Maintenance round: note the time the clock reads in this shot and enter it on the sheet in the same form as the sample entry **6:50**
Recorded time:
**1:45**
